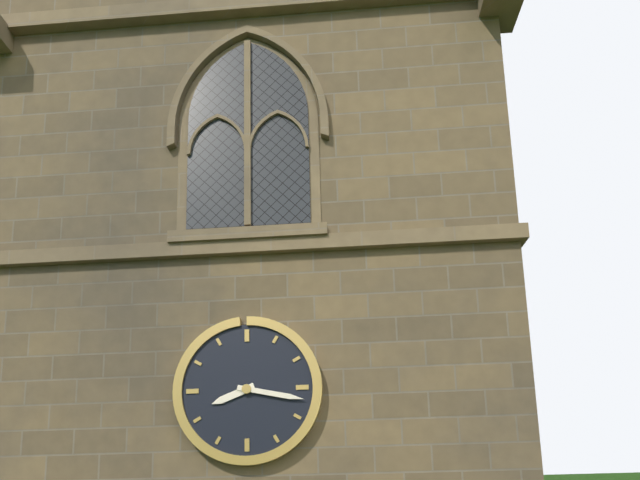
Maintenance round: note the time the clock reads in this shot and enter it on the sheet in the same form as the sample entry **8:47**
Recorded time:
**8:17**
